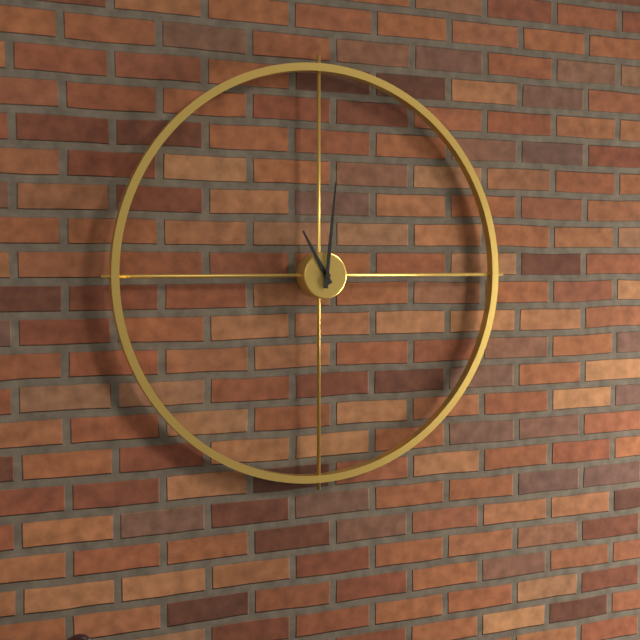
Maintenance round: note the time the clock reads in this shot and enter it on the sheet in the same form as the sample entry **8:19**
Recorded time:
**11:01**
